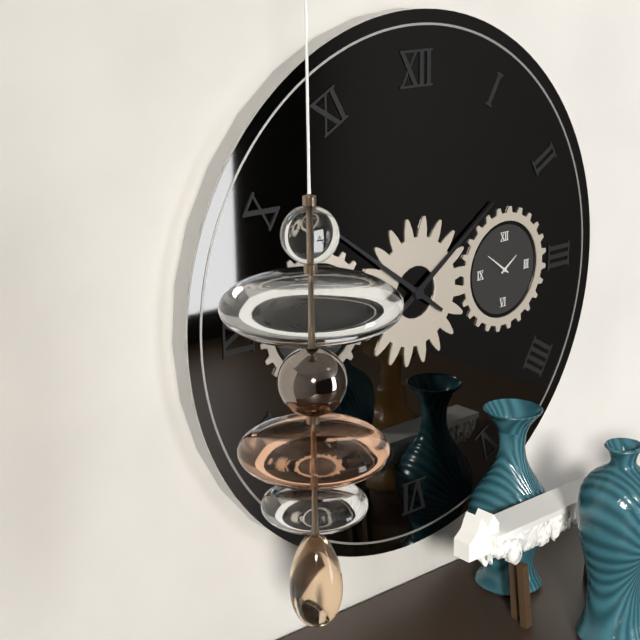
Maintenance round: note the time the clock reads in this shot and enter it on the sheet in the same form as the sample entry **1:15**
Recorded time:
**1:51**
